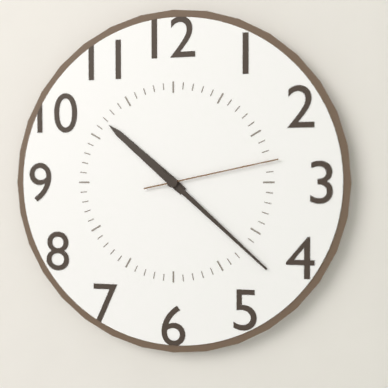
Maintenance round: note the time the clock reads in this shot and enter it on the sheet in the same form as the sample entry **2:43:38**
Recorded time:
**10:22:13**
